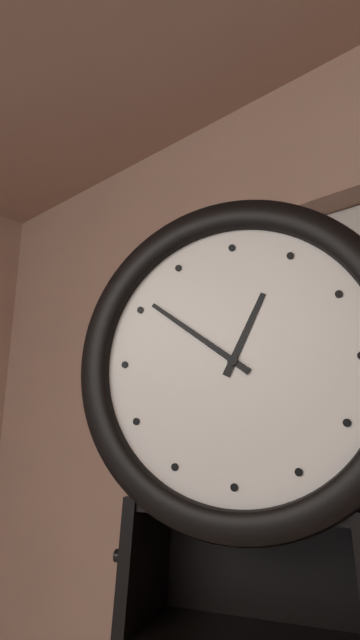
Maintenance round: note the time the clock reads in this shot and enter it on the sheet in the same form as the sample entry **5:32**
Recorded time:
**12:51**
